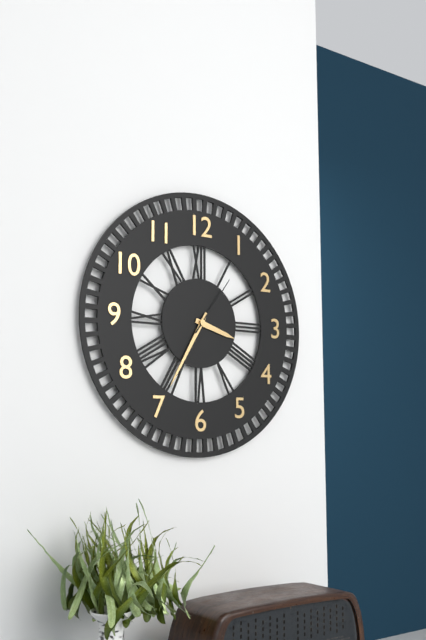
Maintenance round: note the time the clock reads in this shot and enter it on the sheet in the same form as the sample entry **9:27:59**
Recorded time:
**3:35:06**
